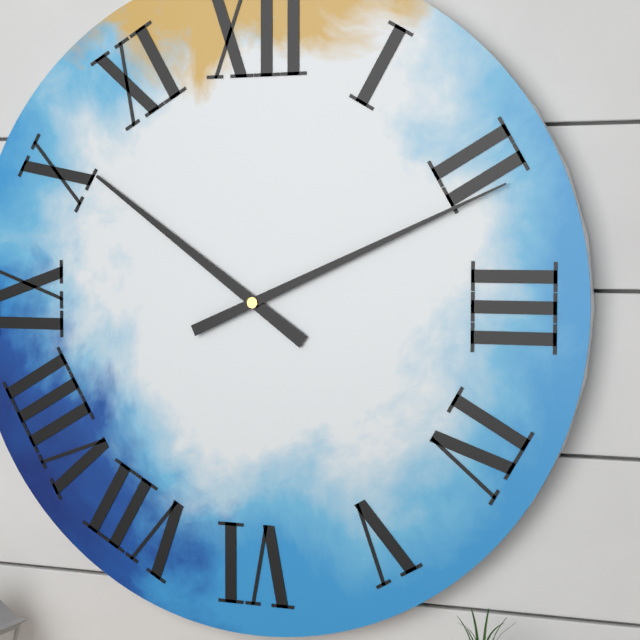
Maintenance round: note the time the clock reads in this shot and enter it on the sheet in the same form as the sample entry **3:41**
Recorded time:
**10:11**
